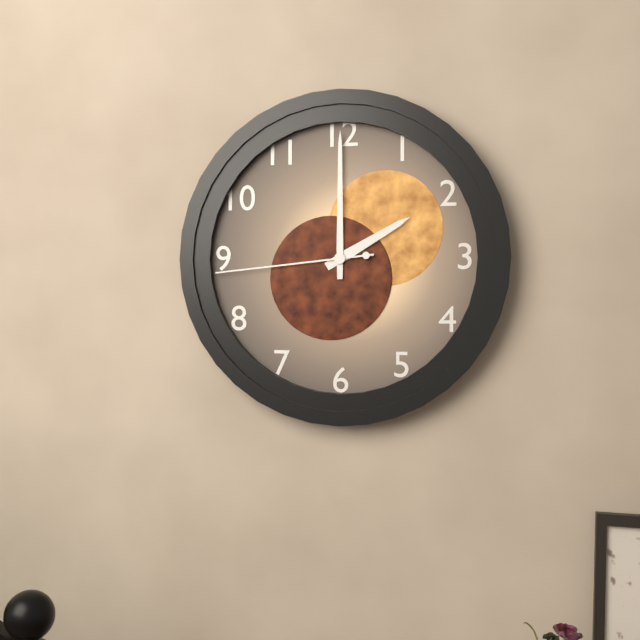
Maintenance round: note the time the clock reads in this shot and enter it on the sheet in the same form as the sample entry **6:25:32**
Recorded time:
**2:00:44**
